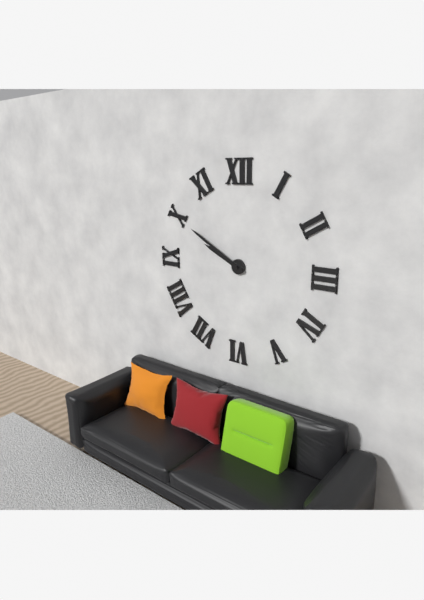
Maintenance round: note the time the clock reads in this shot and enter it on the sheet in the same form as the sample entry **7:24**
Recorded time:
**9:50**
